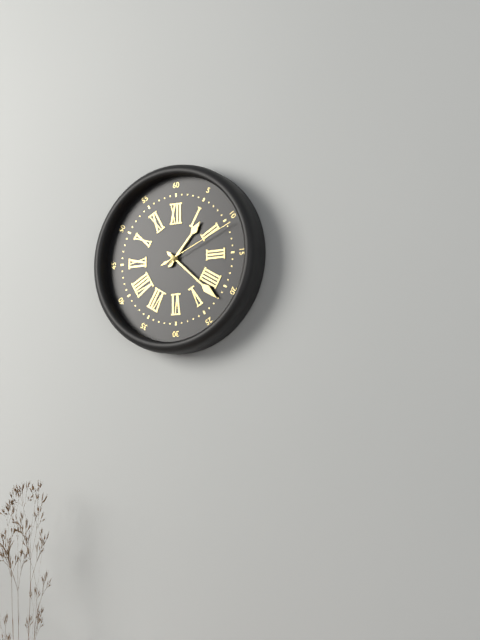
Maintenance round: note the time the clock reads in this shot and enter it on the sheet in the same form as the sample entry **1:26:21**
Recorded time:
**1:22:11**
